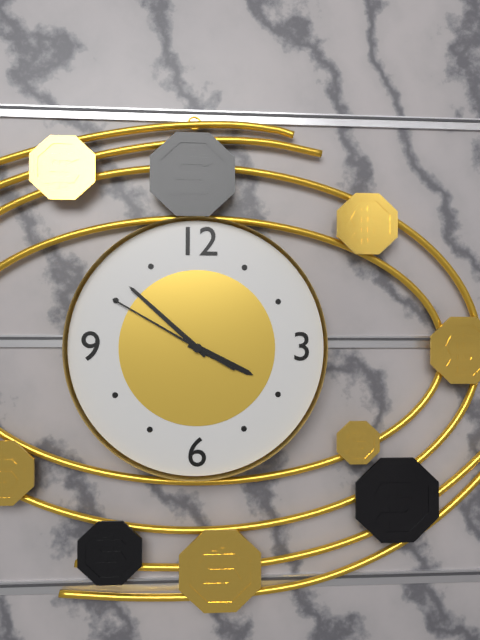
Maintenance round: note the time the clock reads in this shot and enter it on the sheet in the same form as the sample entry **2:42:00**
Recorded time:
**3:52:50**
